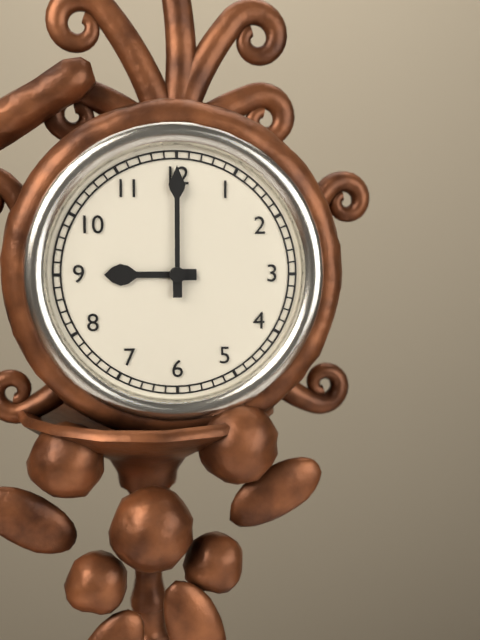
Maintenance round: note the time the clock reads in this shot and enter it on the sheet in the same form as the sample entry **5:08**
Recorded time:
**9:00**
